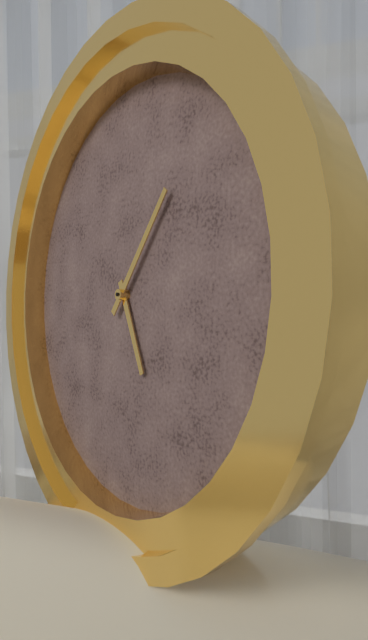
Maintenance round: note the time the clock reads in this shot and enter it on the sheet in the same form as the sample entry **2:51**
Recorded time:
**5:06**
